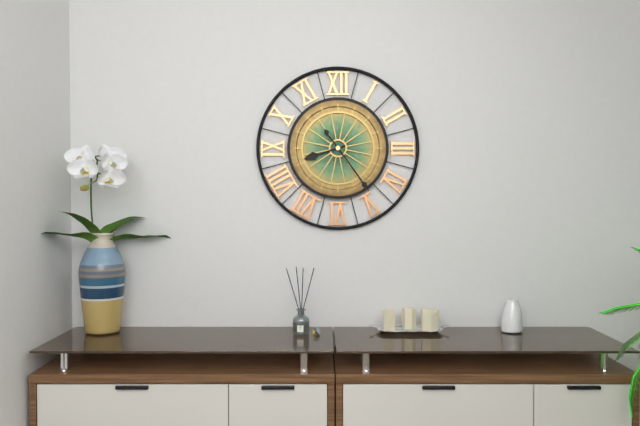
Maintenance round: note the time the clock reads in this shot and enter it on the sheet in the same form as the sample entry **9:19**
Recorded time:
**8:24**
